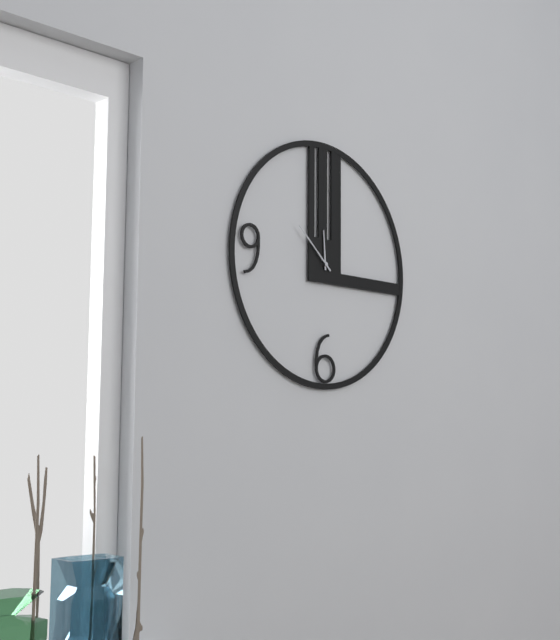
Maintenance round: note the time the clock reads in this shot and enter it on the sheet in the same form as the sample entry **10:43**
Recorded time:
**11:52**
